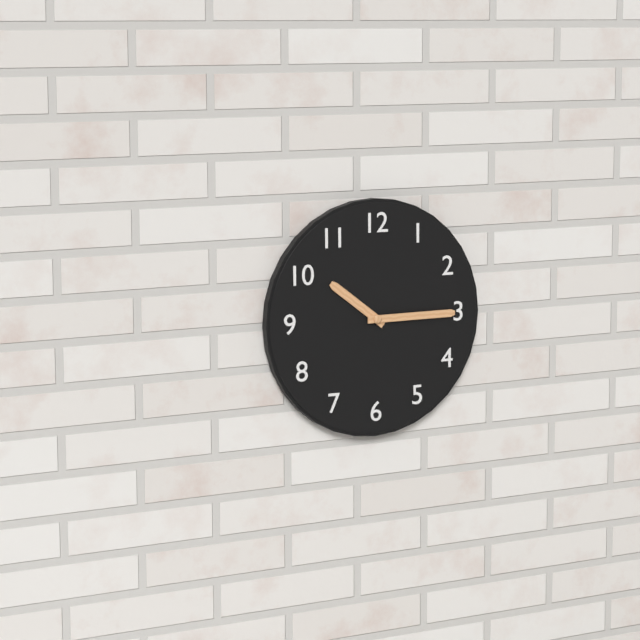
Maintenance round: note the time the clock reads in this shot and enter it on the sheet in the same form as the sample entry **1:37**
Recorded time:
**10:15**
